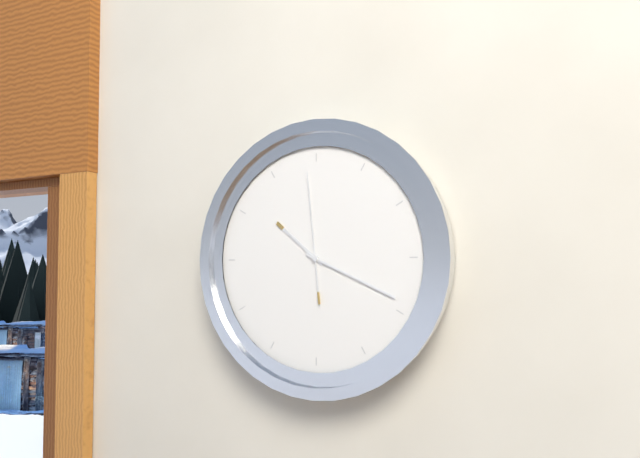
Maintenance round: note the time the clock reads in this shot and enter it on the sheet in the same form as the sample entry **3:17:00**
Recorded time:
**10:19:59**
